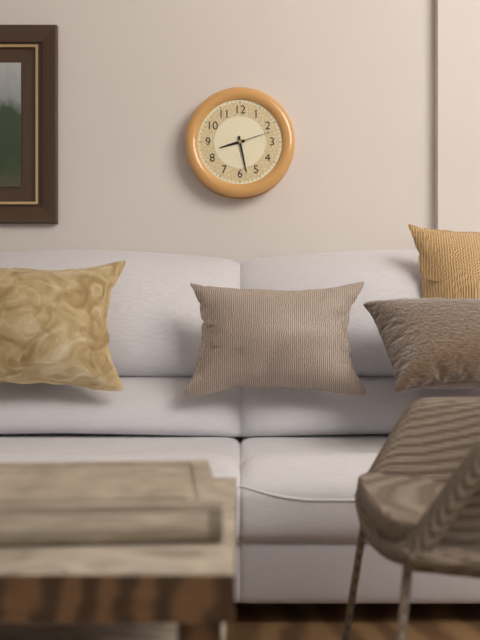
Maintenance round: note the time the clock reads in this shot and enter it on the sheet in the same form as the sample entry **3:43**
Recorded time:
**8:28**
